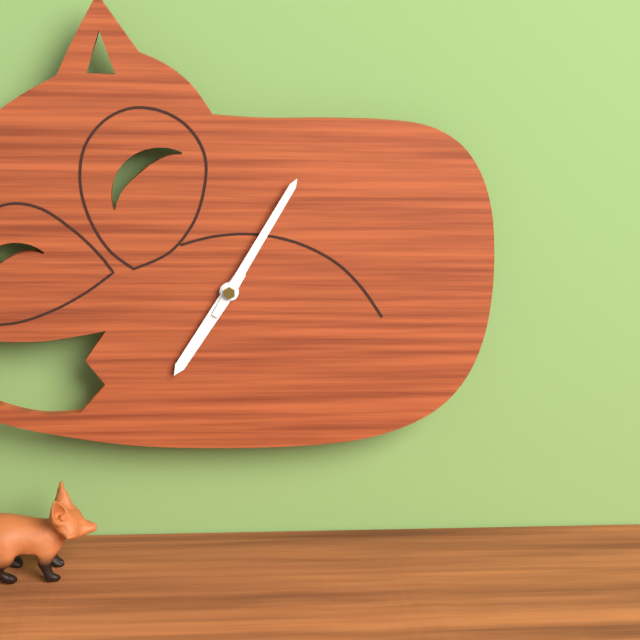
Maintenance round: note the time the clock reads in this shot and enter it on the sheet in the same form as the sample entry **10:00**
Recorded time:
**7:05**
